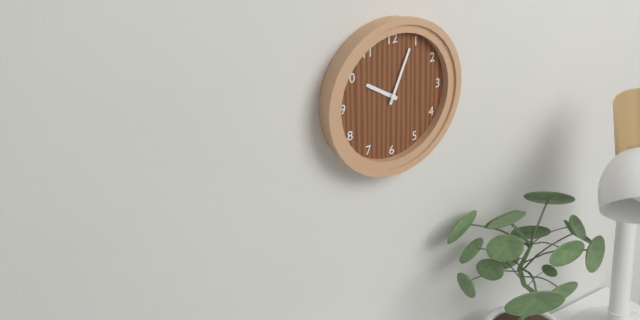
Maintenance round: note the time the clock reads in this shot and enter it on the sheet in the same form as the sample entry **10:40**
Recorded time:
**10:04**
